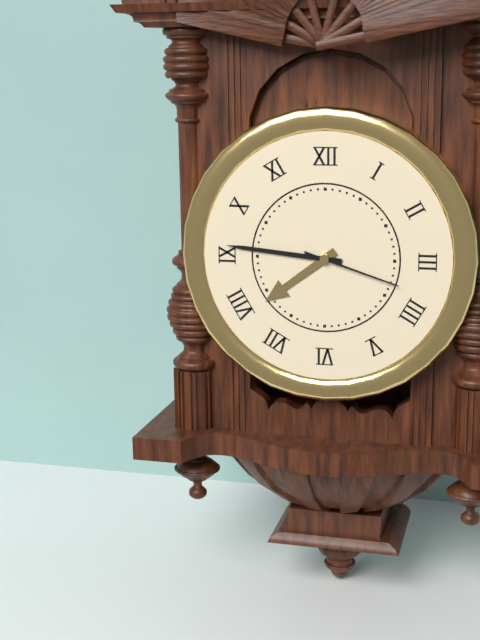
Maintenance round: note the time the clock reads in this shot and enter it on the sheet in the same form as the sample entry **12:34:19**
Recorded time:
**7:46:18**
